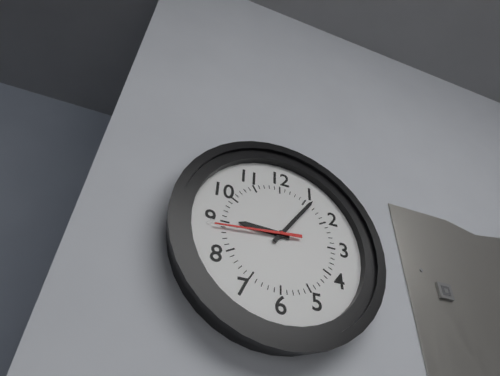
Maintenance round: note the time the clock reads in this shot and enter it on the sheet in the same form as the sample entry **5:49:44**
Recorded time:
**9:06:44**
